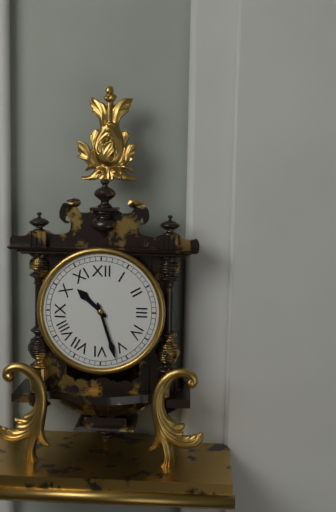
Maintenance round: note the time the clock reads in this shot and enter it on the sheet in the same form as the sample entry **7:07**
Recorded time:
**10:27**
